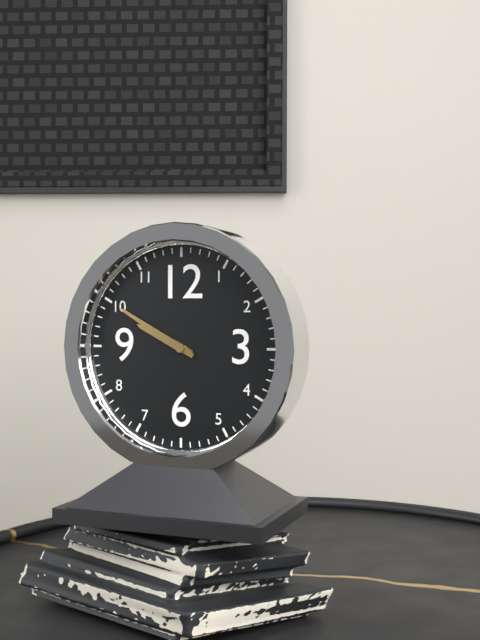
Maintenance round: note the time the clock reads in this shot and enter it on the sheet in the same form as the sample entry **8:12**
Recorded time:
**9:50**
